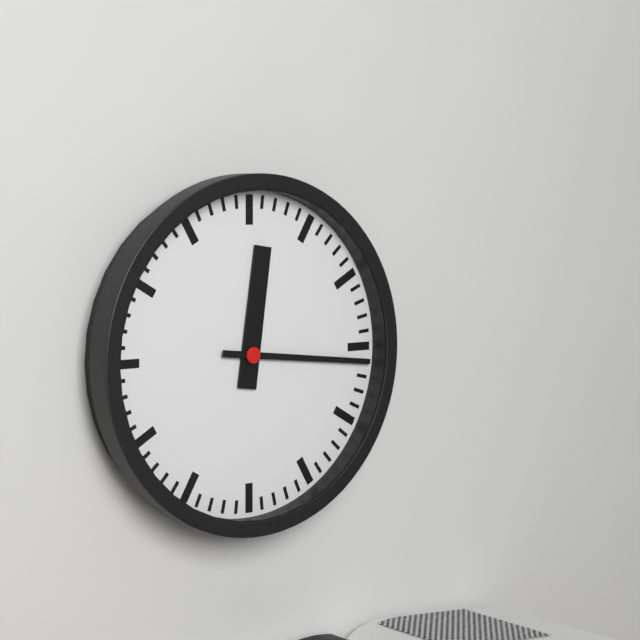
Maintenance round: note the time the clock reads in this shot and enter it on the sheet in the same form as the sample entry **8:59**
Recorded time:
**12:16**
